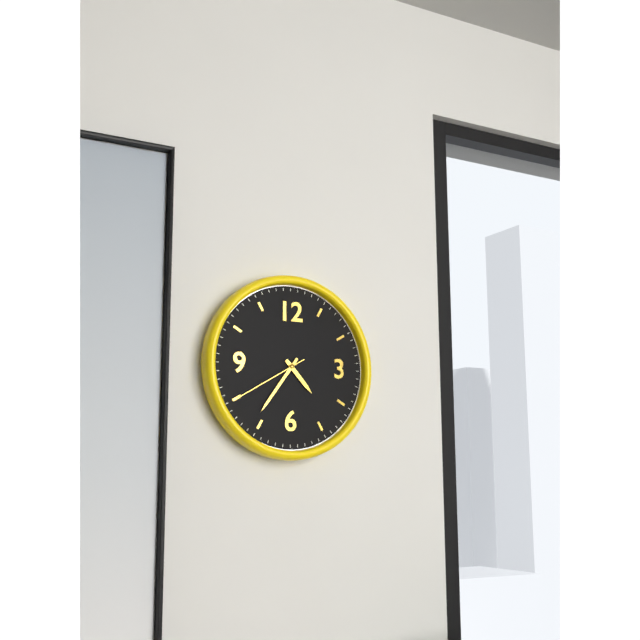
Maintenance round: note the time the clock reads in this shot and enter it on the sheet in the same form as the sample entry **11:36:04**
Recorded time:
**4:36:40**
